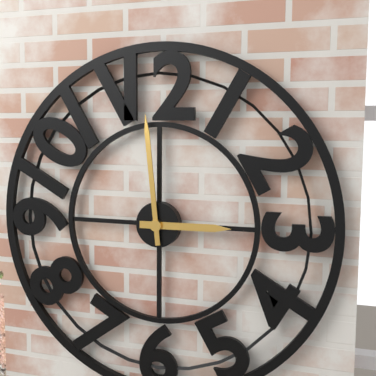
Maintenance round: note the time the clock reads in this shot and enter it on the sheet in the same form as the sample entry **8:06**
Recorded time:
**2:59**
